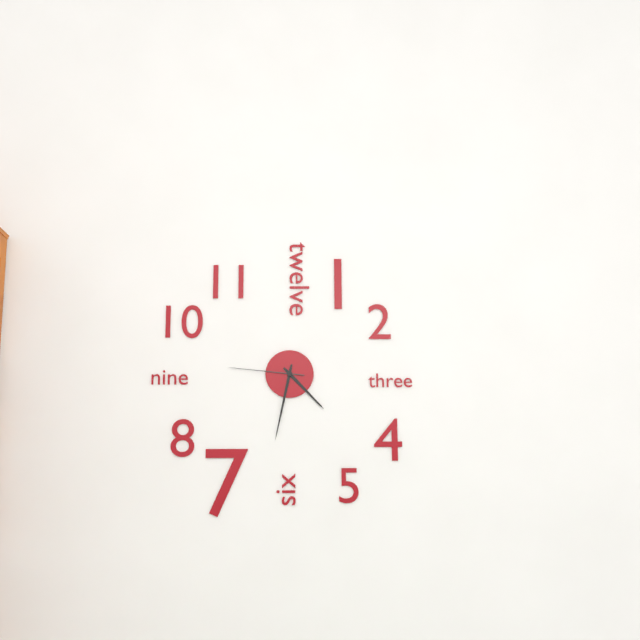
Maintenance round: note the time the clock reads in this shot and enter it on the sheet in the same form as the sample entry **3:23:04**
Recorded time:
**4:32:46**
